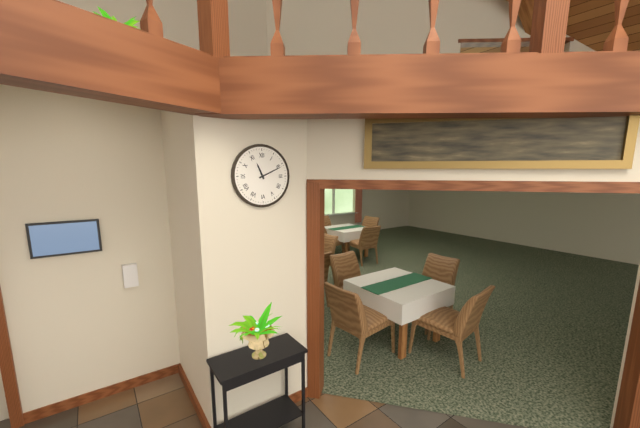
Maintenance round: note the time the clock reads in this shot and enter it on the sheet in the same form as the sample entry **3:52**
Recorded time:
**11:11**
